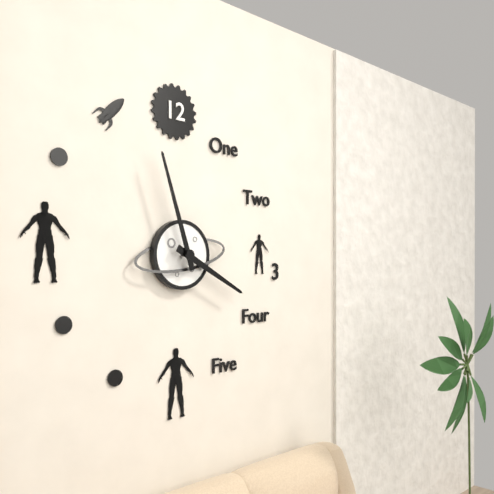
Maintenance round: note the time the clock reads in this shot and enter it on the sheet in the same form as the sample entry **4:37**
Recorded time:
**3:57**
